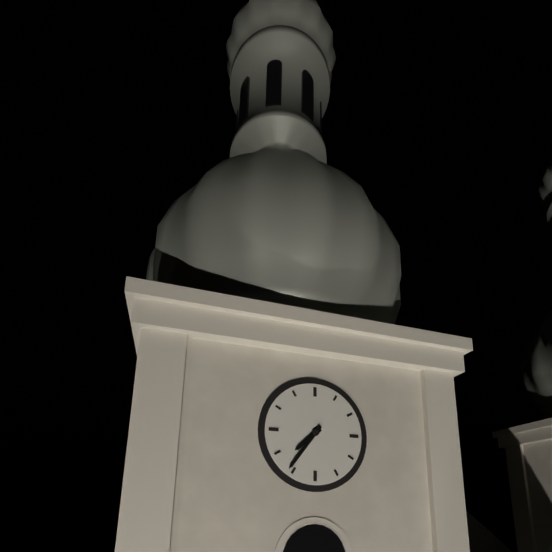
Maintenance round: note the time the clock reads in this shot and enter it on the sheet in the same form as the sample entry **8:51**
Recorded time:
**7:36**
